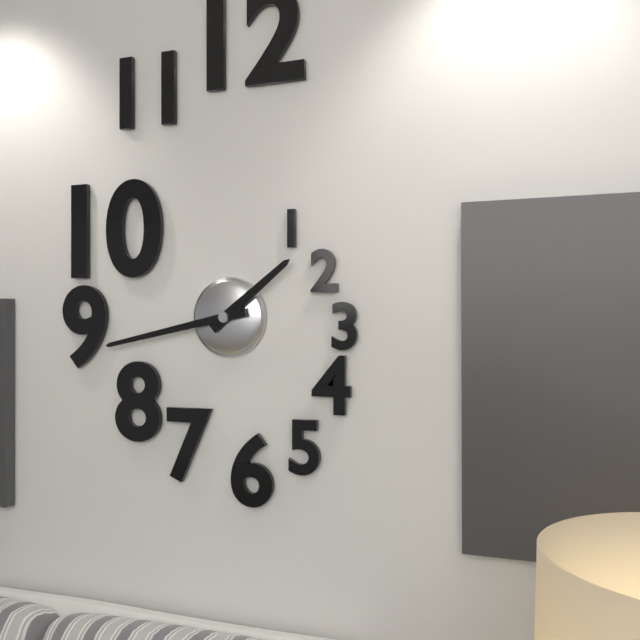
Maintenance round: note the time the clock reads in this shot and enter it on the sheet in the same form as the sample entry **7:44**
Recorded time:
**1:43**
